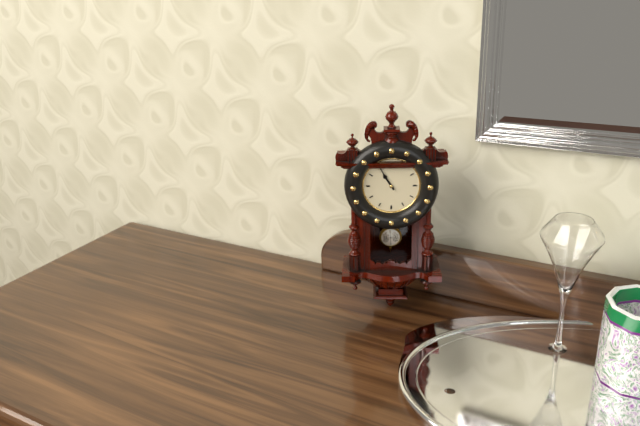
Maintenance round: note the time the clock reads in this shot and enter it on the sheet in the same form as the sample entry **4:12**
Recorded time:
**10:55**
